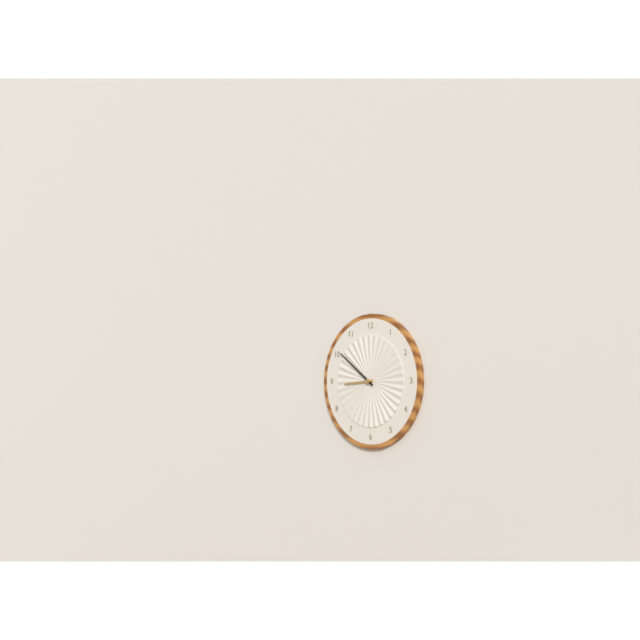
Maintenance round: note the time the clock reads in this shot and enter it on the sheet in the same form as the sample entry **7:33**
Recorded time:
**8:51**
